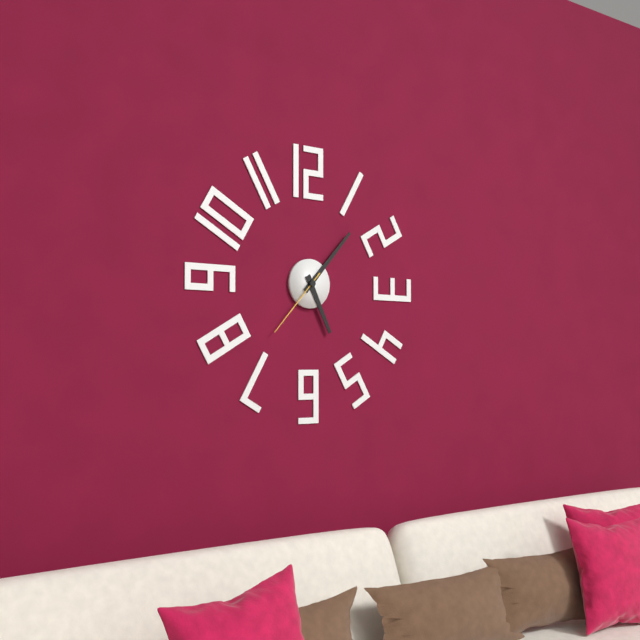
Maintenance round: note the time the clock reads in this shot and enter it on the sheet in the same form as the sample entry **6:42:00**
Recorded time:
**5:07:37**
